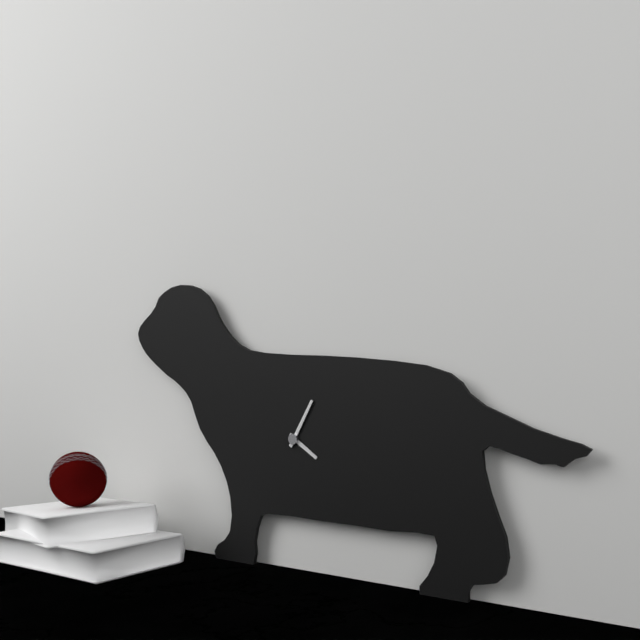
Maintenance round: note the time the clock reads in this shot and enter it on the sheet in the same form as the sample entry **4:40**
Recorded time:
**4:05**
